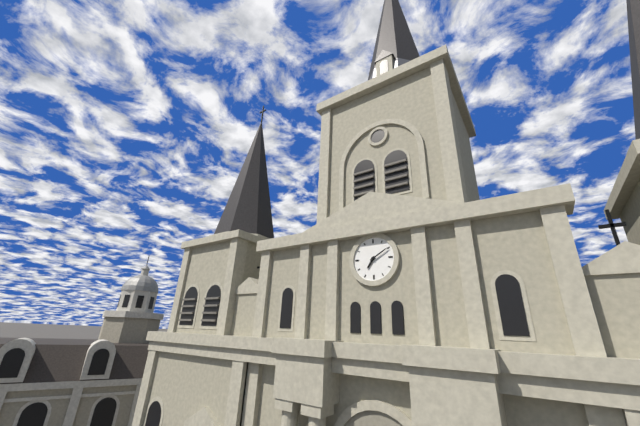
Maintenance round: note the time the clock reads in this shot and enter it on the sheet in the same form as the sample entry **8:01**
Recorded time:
**7:10**
